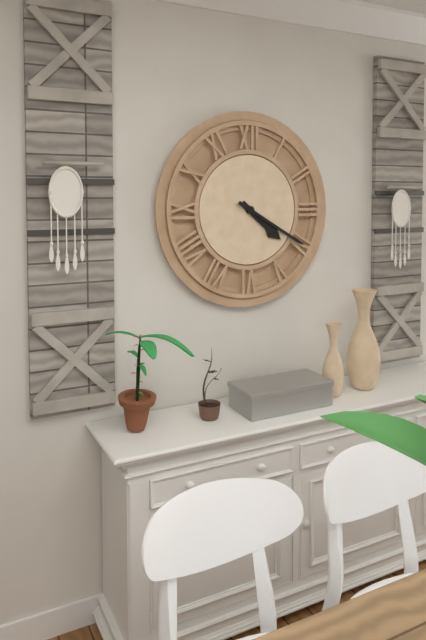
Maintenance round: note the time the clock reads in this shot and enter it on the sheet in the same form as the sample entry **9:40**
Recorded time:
**4:20**
